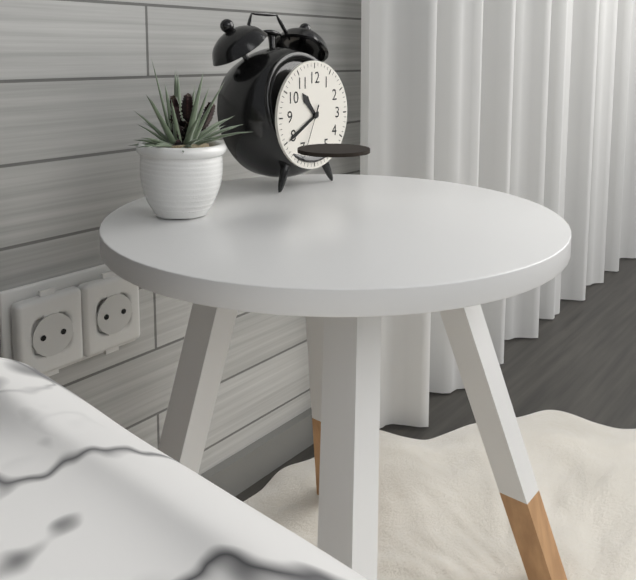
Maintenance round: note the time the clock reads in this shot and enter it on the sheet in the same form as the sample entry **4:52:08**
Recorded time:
**10:40:34**
